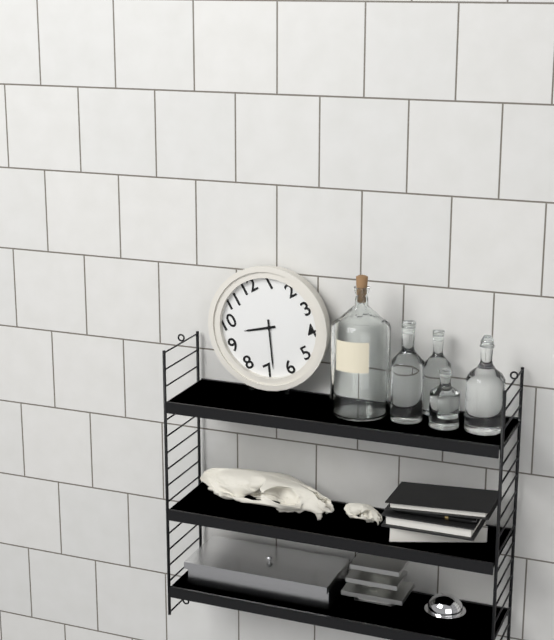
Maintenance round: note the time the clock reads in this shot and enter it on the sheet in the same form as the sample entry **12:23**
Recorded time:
**9:34**
